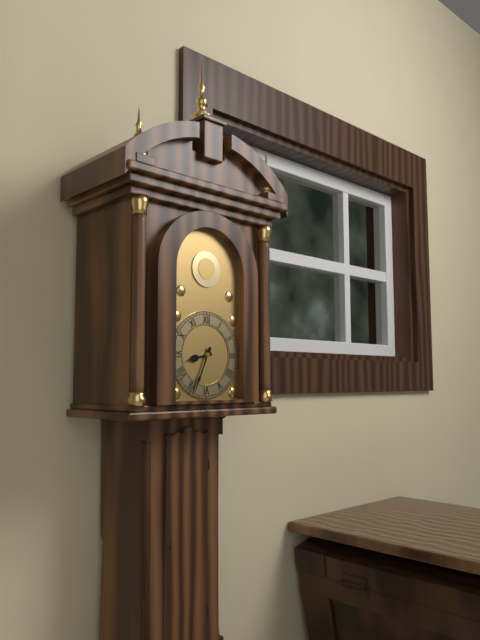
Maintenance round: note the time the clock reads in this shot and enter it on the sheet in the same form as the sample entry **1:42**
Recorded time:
**8:34**
